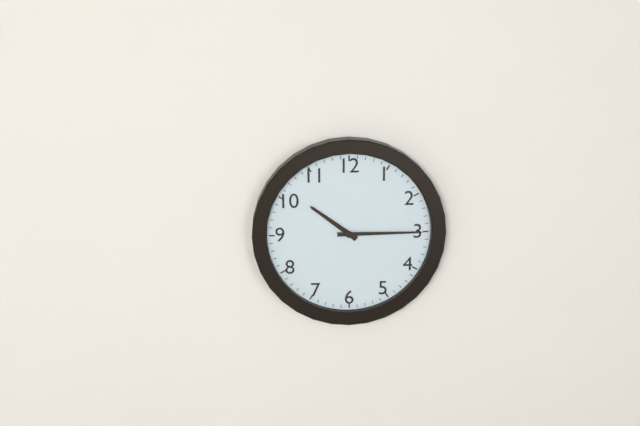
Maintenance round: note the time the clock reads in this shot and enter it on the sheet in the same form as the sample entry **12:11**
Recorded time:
**10:15**
